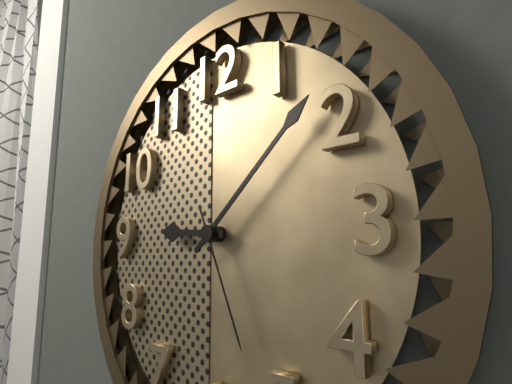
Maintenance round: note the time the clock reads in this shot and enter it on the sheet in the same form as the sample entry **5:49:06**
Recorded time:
**9:08:26**
